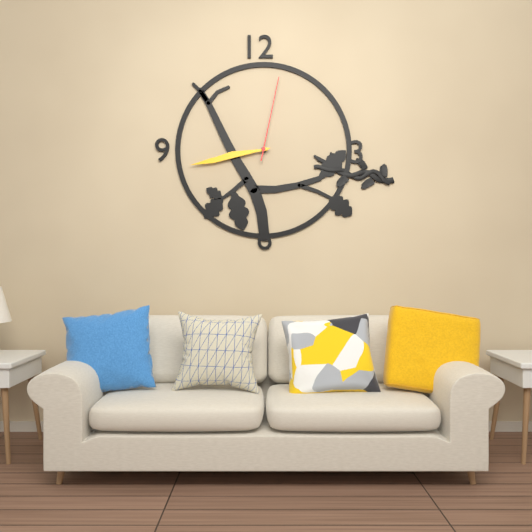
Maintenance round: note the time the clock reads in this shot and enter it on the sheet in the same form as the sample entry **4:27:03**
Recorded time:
**8:43:02**
